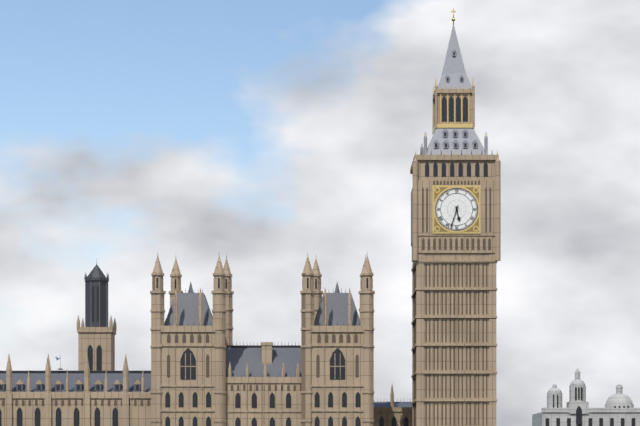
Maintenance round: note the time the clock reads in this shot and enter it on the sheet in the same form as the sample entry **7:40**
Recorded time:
**5:33**
